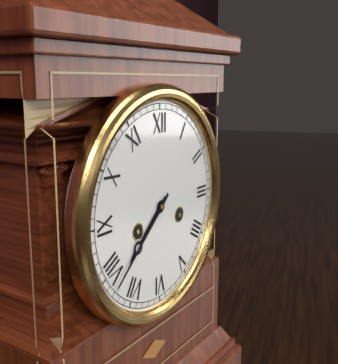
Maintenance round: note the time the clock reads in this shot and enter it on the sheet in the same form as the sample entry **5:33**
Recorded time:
**7:38**
